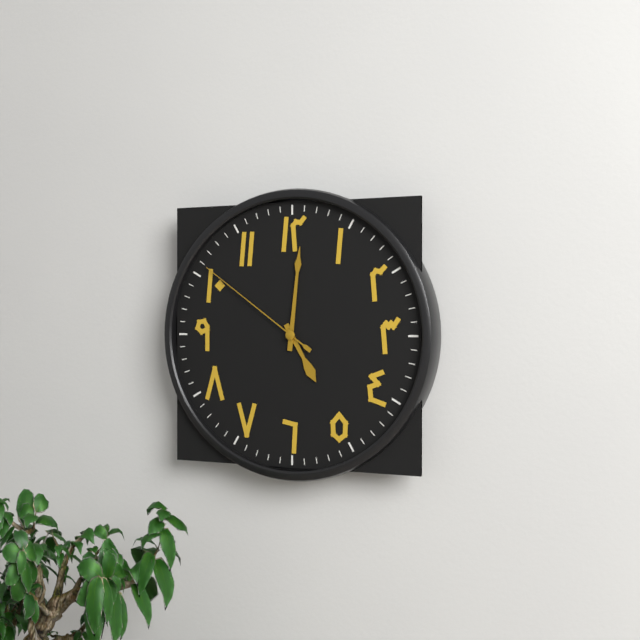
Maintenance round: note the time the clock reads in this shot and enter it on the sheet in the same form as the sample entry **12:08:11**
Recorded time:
**5:01:51**
